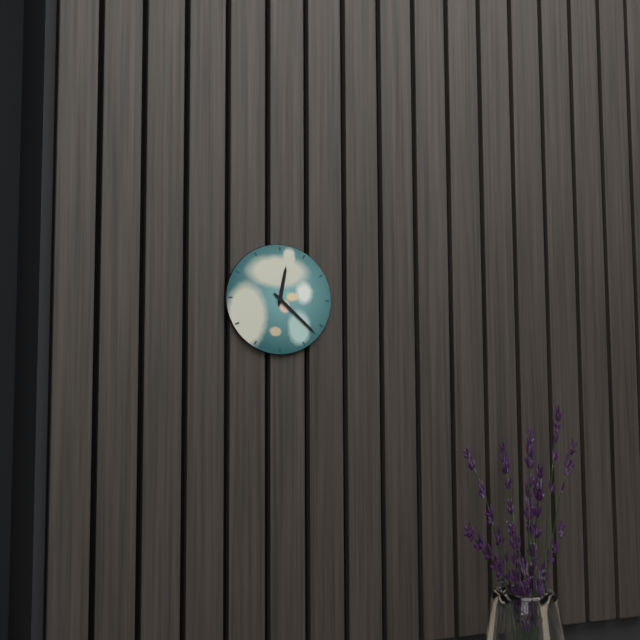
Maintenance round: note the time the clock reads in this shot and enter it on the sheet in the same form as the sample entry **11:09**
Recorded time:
**12:22**
